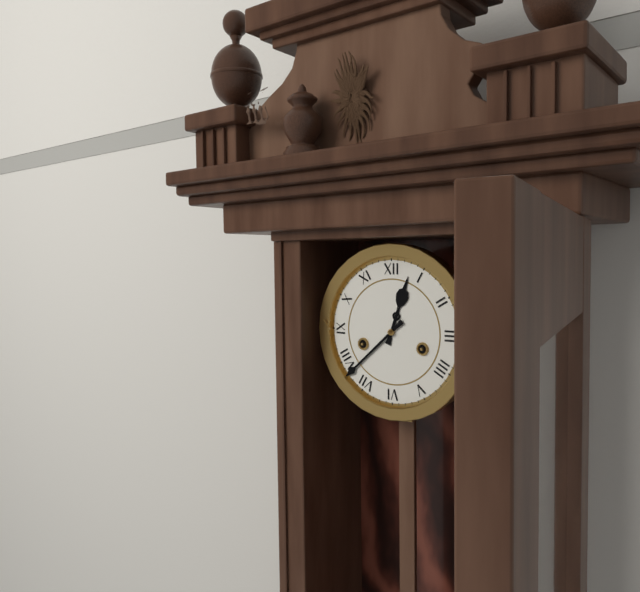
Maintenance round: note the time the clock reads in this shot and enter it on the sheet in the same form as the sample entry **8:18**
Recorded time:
**12:38**
